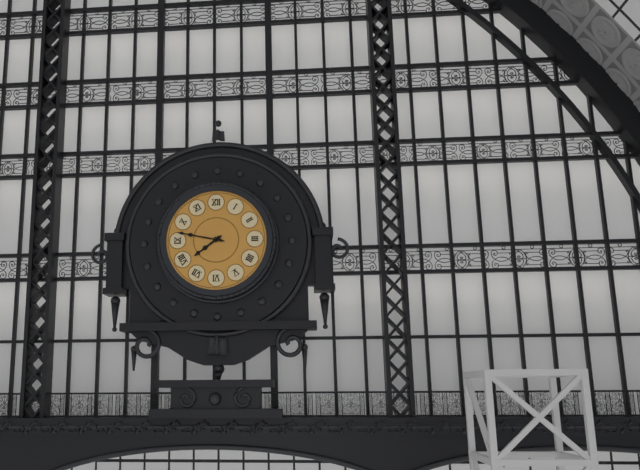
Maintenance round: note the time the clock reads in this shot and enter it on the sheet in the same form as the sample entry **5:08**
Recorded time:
**7:47**
